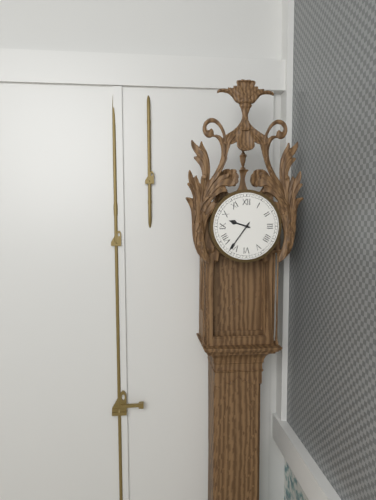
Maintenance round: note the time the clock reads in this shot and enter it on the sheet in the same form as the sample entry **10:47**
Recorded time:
**9:36**
